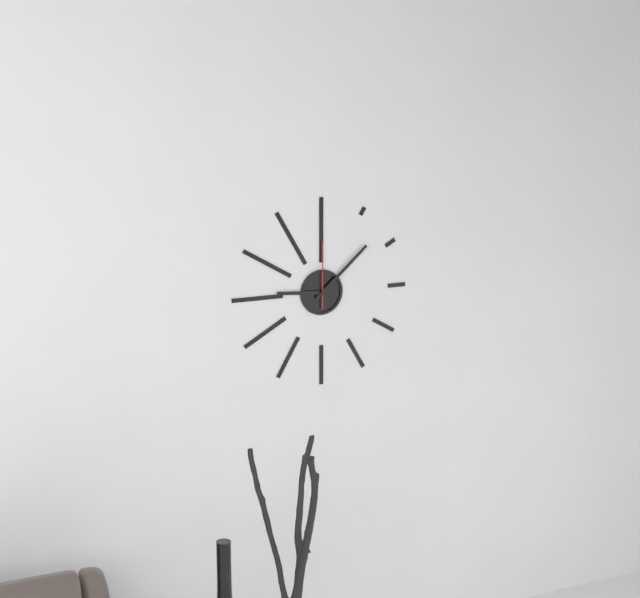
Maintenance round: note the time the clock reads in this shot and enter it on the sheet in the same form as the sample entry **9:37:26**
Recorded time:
**9:08:00**
